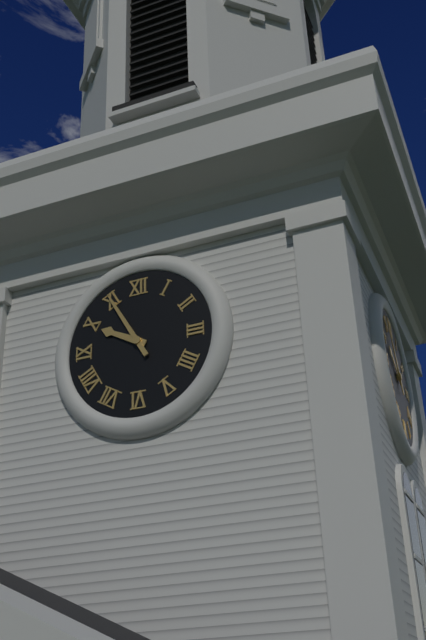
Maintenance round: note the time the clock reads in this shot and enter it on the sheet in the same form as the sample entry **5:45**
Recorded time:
**9:55**
